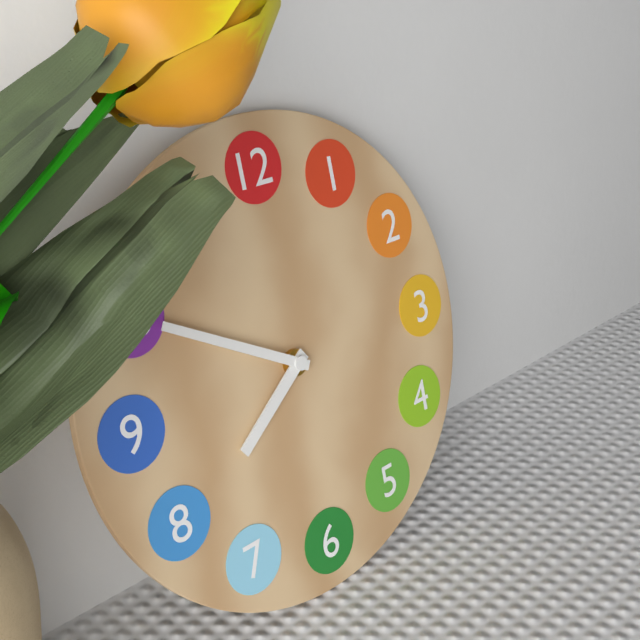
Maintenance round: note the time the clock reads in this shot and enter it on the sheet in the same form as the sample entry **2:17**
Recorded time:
**7:50**
